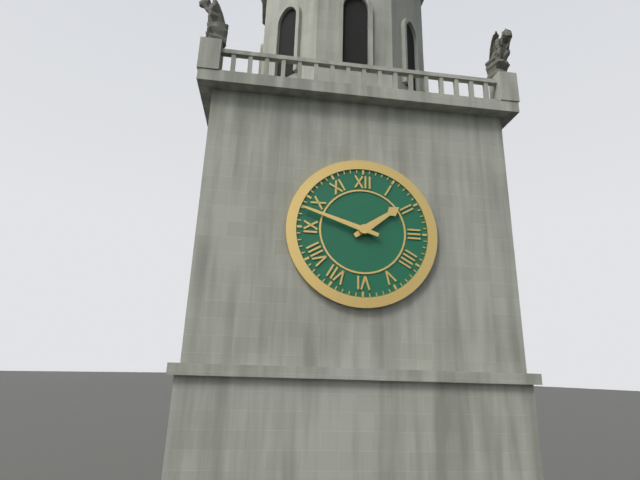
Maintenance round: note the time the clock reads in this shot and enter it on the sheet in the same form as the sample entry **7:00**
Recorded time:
**1:48**
